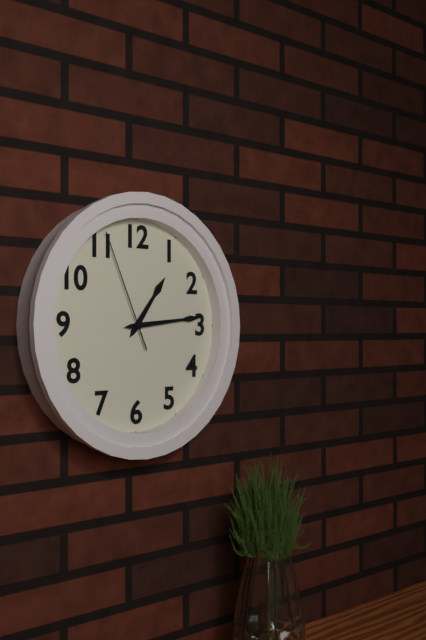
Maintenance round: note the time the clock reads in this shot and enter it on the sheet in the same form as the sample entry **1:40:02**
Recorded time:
**1:14:56**
